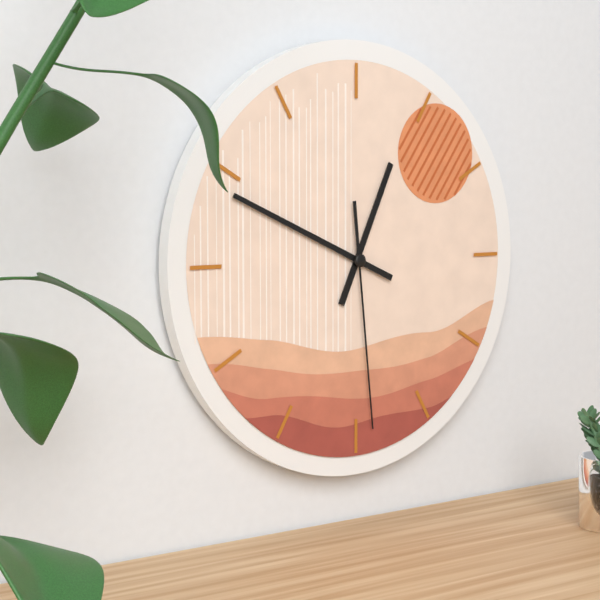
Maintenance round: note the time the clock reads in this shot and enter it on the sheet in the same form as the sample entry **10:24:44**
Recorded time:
**12:49:29**
